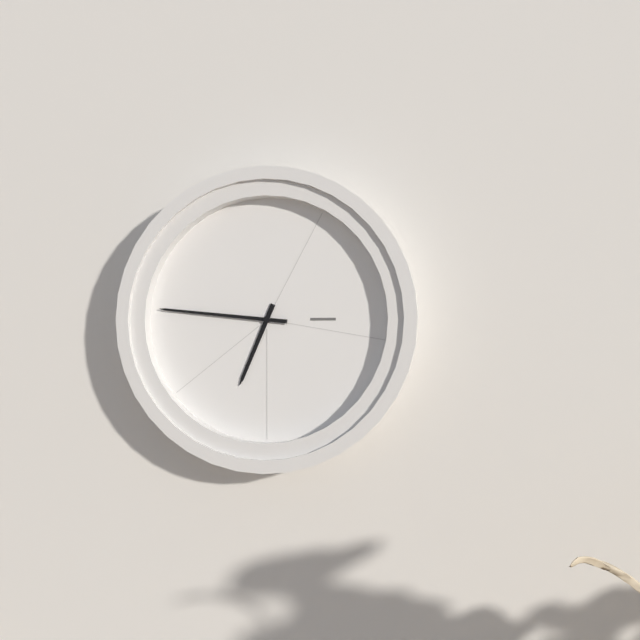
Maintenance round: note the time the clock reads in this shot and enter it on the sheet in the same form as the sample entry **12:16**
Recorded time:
**6:46**
